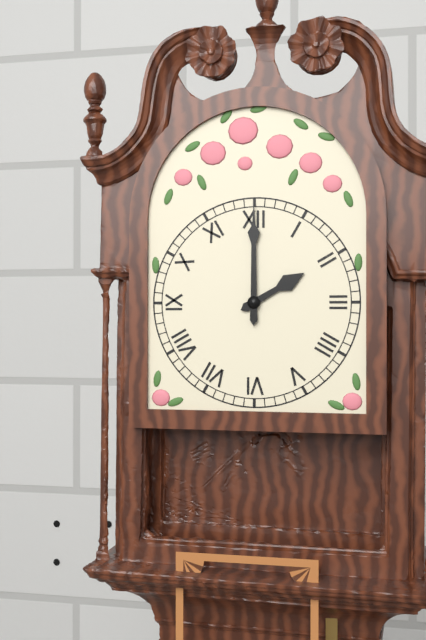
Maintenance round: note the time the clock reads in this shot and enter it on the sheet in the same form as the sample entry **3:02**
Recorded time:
**2:00**
